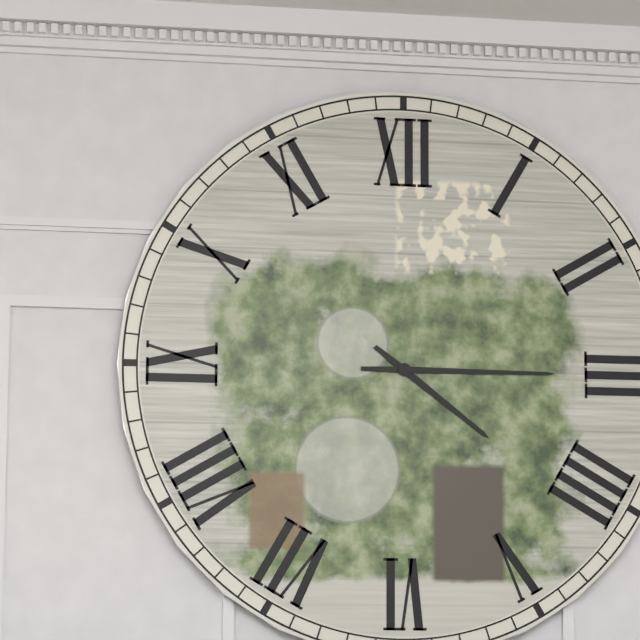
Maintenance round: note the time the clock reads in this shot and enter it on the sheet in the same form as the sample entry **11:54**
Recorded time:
**4:15**
